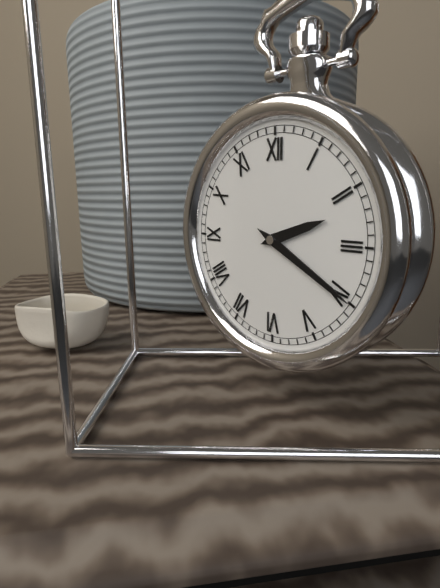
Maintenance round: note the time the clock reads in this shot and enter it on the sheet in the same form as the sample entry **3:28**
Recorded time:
**2:20**
